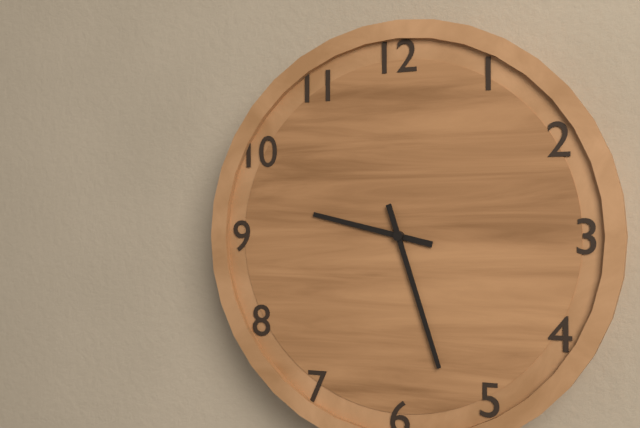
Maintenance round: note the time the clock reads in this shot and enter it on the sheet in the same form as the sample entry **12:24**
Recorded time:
**9:27**
